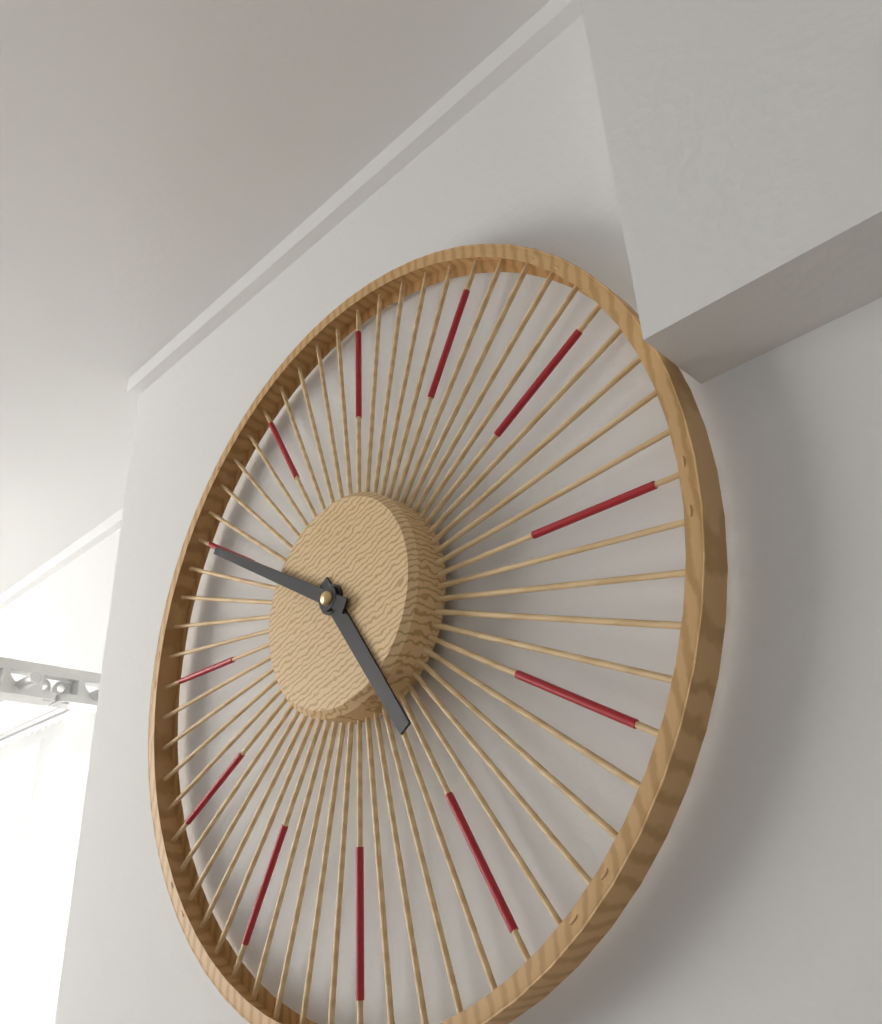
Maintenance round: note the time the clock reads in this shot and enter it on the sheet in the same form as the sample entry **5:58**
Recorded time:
**4:50**
